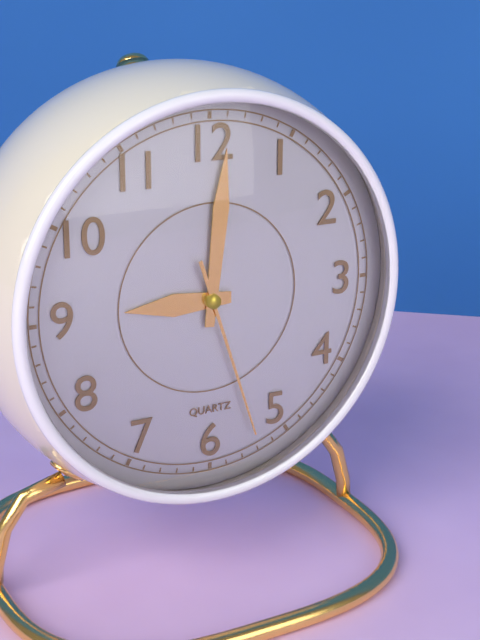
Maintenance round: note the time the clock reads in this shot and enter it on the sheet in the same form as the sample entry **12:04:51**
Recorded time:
**9:01:27**
